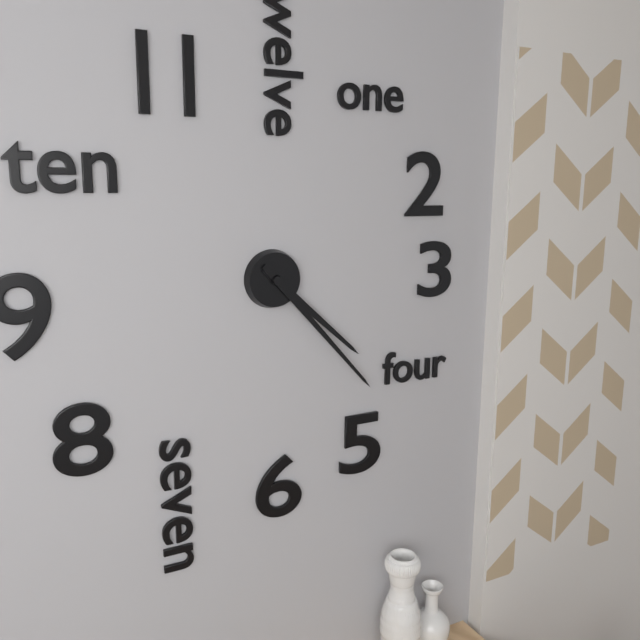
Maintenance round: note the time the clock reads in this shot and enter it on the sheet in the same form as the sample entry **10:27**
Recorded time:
**4:23**
